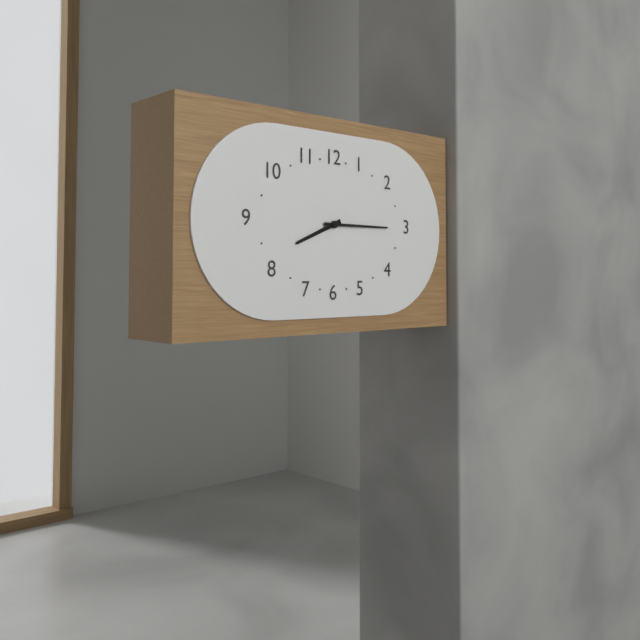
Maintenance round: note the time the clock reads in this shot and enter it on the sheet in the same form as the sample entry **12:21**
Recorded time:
**8:15**
